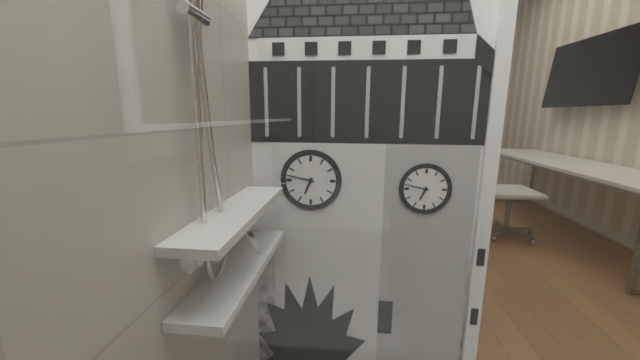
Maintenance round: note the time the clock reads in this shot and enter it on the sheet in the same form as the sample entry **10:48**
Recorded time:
**6:47**
